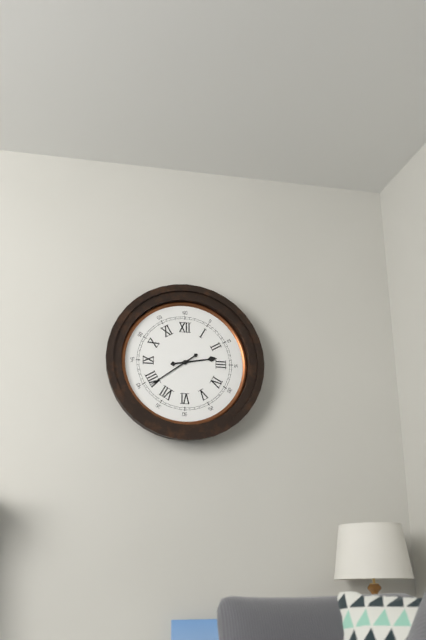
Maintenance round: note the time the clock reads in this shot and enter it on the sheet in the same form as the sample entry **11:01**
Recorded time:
**2:39**
